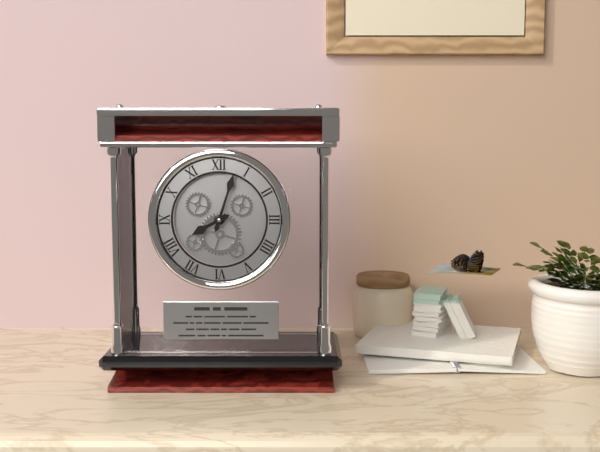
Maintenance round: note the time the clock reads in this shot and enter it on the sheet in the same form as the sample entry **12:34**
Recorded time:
**8:03**
